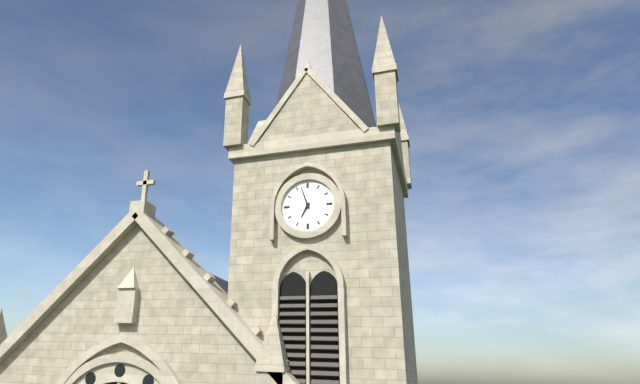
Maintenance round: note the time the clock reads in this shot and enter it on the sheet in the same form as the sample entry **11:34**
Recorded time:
**6:57**
